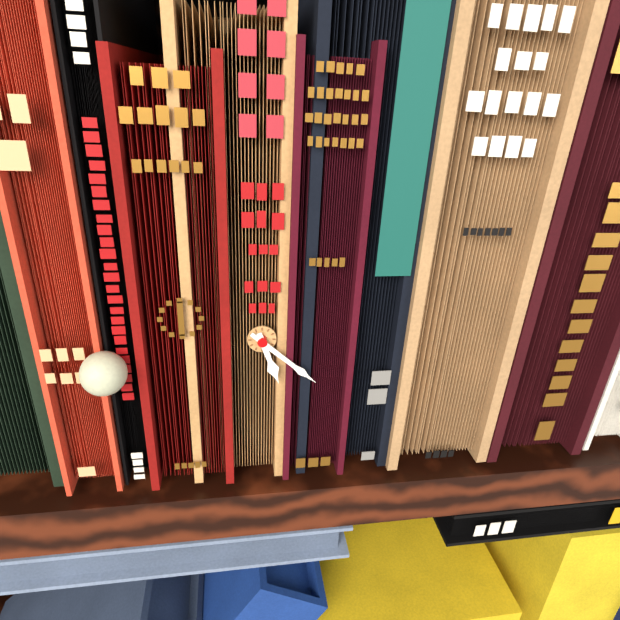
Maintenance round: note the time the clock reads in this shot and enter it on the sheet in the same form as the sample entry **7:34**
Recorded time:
**5:22**
